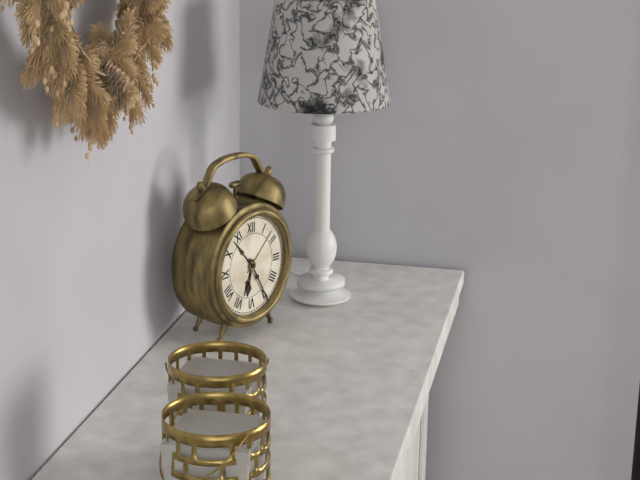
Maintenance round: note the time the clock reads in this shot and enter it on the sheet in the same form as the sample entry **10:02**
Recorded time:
**6:25**
